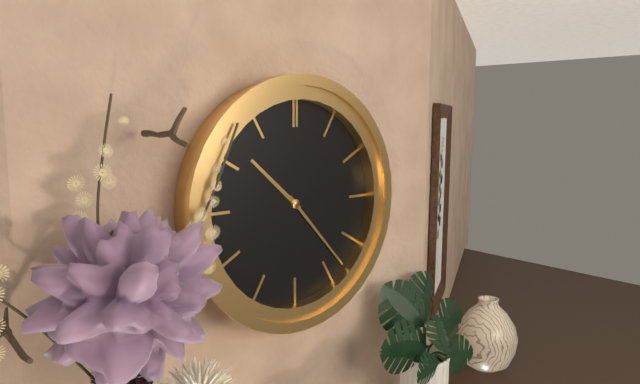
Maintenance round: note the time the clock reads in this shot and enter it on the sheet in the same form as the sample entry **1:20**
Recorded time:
**10:23**
